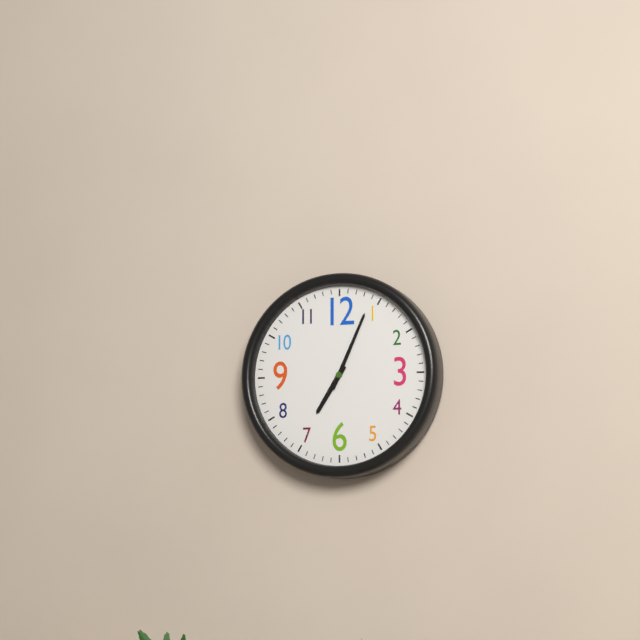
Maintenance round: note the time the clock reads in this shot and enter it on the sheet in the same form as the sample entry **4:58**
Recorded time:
**7:04**
